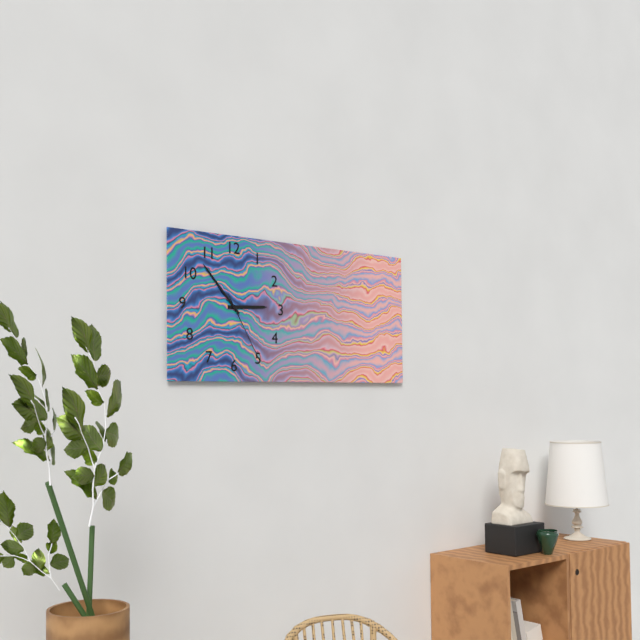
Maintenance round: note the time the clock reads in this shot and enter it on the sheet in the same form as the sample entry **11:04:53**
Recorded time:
**2:53:25**
